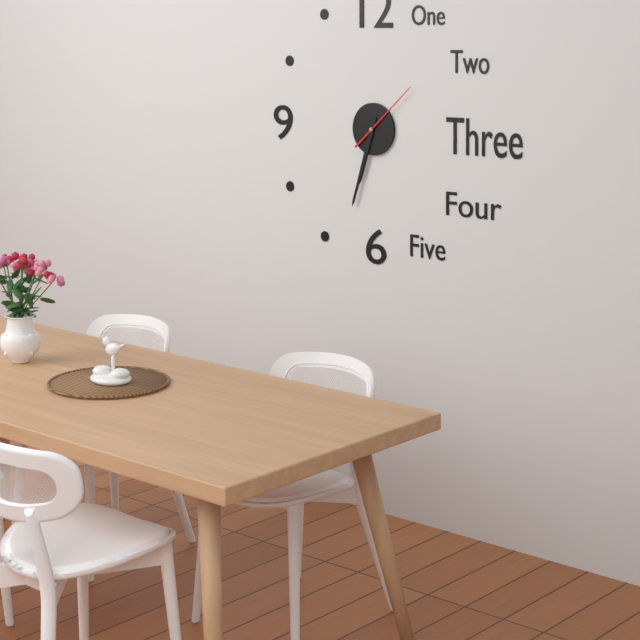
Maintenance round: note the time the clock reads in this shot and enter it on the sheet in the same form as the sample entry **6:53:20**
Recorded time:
**6:33:08**
